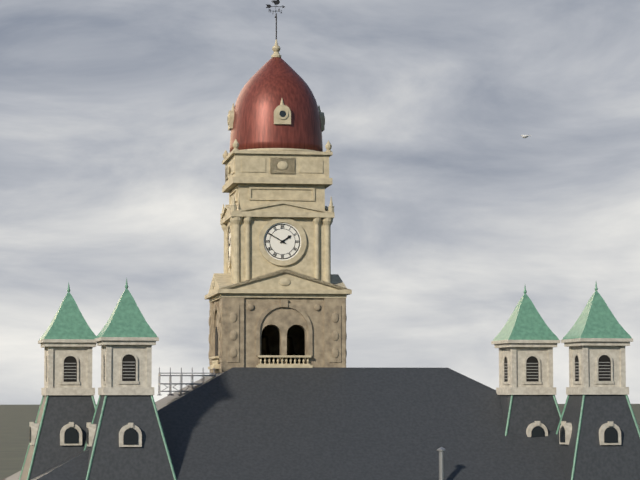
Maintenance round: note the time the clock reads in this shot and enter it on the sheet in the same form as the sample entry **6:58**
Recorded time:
**1:50**
